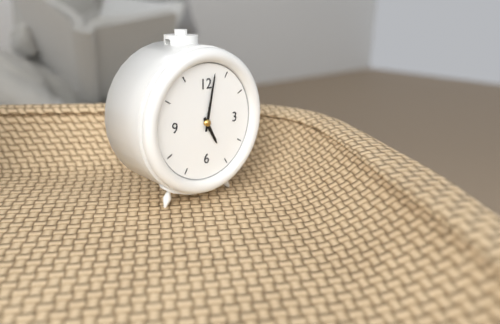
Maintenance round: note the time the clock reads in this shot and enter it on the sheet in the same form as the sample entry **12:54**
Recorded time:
**5:02**
